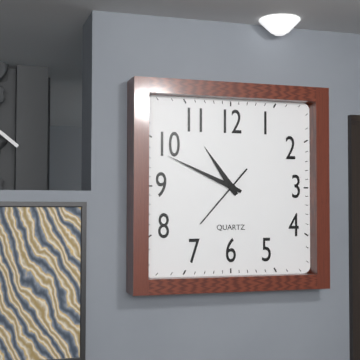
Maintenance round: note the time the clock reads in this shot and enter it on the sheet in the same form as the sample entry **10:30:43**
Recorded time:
**10:49:37**
